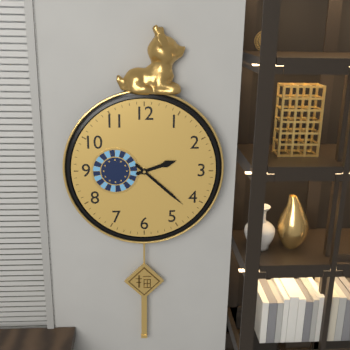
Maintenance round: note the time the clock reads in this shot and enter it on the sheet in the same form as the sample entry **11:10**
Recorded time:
**2:22**
